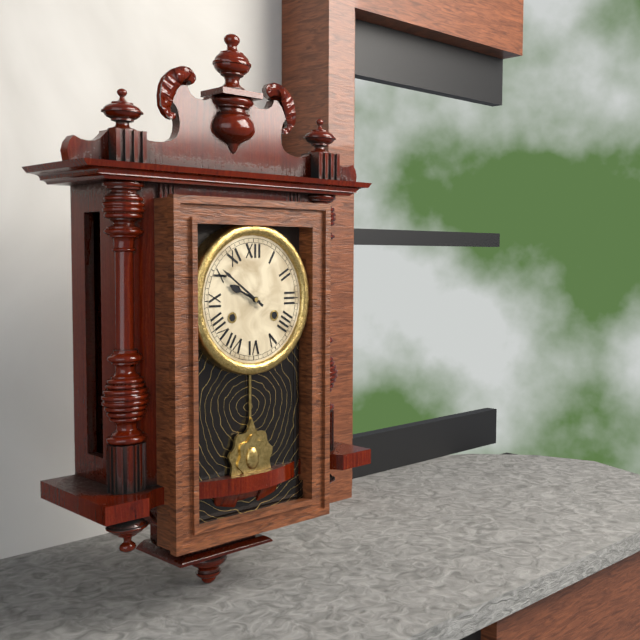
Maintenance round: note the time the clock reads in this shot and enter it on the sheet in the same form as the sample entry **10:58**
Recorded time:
**9:51**
